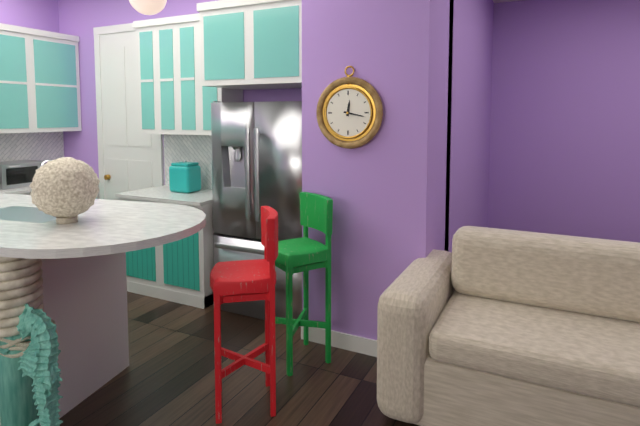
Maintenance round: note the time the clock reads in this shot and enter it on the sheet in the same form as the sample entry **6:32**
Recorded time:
**12:17**
